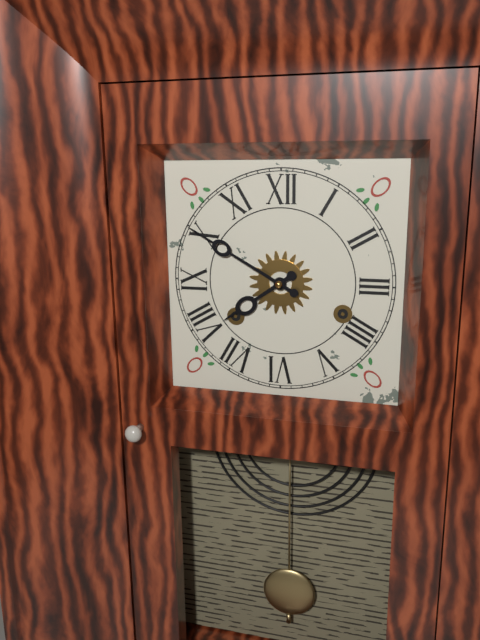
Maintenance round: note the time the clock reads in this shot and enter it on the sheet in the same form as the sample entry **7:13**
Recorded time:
**7:50**
